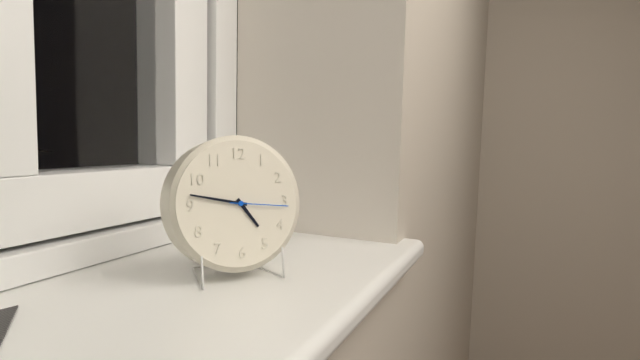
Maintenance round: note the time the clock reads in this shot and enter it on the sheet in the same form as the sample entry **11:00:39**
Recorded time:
**4:47:16**
